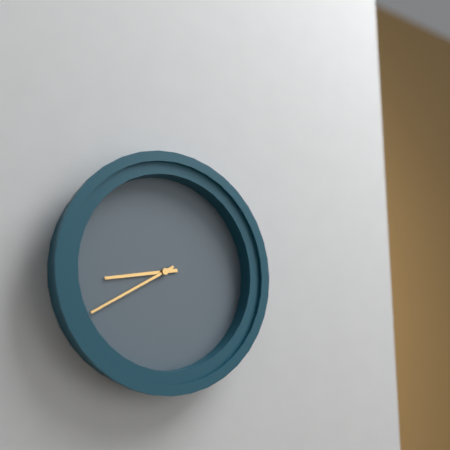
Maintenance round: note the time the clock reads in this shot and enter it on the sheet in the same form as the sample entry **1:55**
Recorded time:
**8:40**
